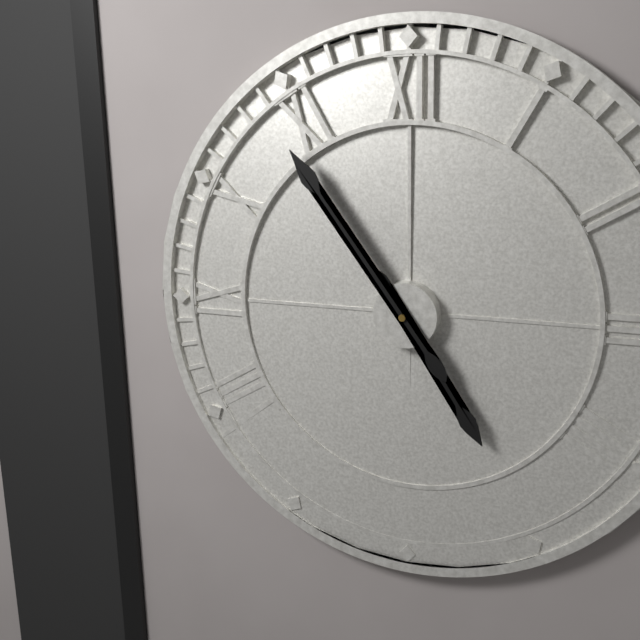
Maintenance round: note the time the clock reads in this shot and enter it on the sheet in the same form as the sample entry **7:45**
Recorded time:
**4:54**
